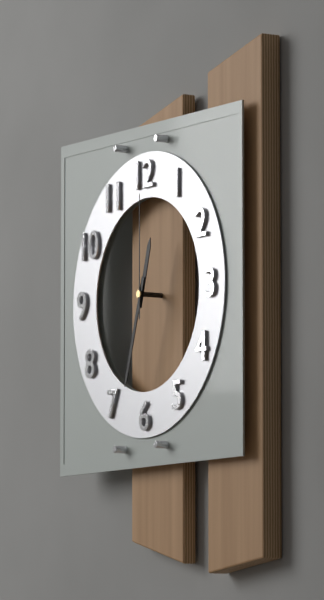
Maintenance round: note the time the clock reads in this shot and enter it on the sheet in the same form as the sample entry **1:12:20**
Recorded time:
**12:33:00**
